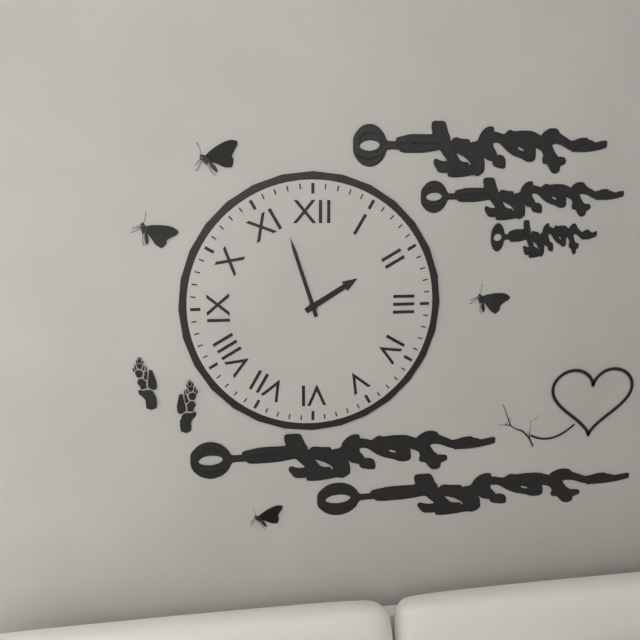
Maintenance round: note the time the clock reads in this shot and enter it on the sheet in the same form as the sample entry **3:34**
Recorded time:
**1:57**
